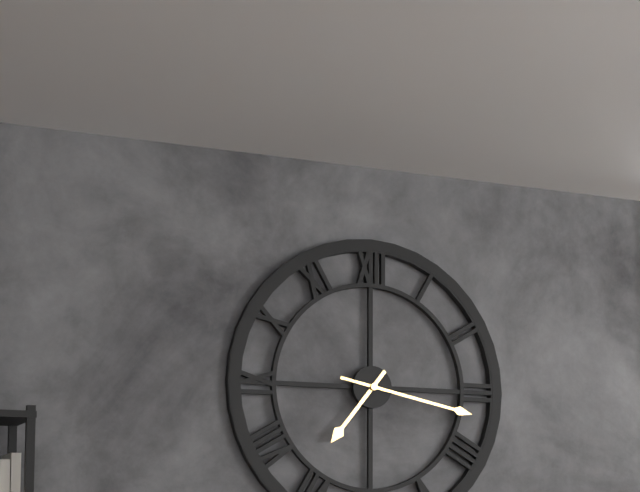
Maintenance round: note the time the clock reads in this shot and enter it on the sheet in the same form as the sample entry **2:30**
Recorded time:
**7:17**
